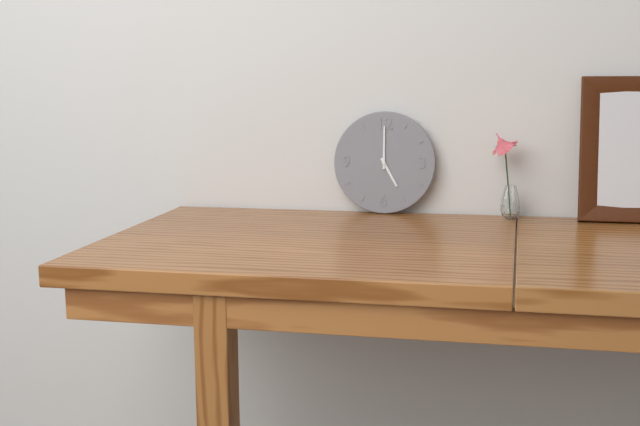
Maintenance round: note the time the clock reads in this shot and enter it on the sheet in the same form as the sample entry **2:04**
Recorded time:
**5:00**
